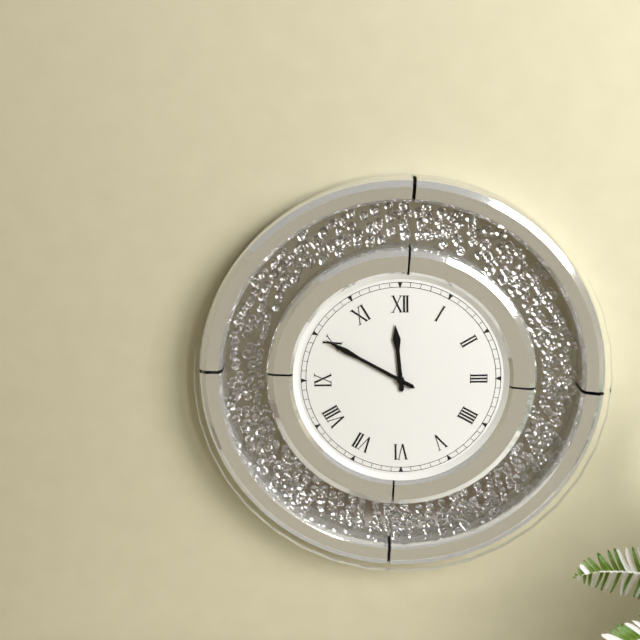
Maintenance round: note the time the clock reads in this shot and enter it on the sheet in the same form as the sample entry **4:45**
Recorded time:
**11:50**
